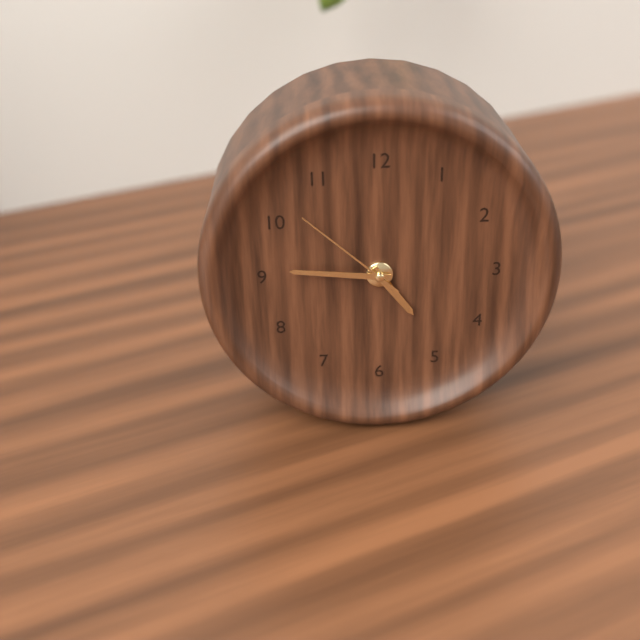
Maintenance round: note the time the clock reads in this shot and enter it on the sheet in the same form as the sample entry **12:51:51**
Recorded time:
**4:46:52**
